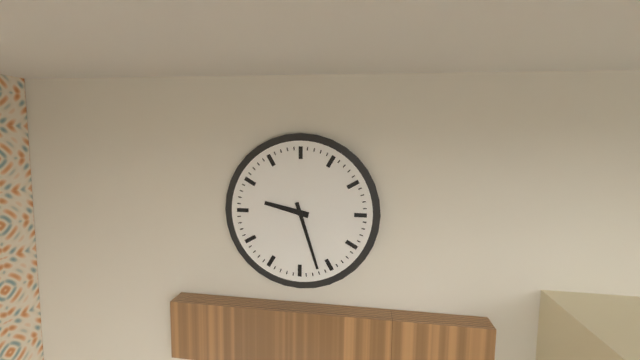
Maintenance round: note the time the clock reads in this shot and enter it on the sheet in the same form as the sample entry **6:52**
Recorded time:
**9:27**
